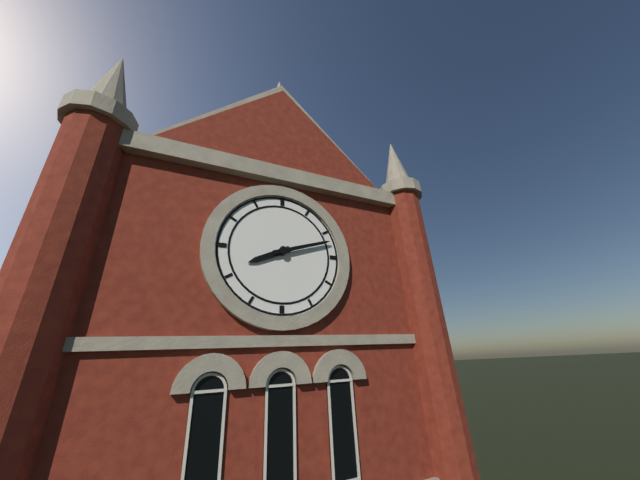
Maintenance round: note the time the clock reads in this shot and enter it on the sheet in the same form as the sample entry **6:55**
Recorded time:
**8:12**
